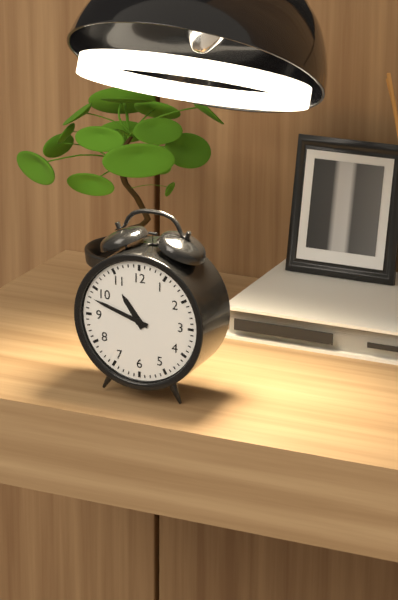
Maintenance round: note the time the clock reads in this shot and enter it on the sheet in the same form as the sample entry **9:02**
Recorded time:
**10:48**
